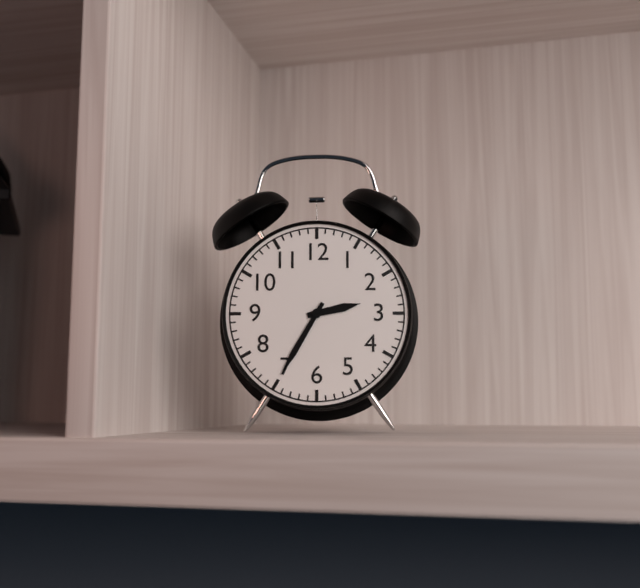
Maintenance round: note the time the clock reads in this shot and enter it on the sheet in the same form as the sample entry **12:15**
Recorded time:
**2:35**
